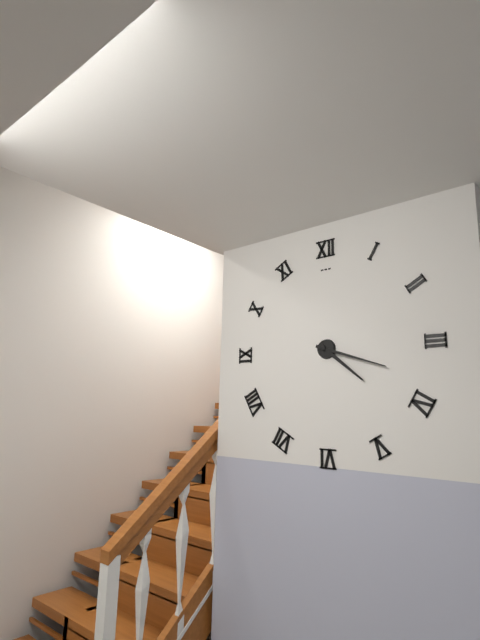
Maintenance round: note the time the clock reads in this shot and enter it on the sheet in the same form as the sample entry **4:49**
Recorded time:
**4:18**
